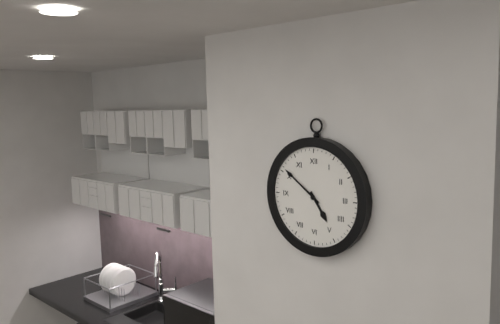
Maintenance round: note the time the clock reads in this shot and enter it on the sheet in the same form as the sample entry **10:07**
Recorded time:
**4:51**
